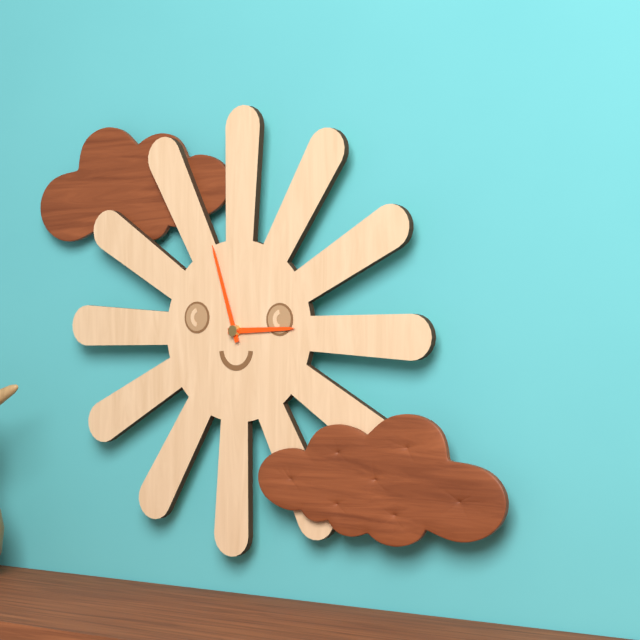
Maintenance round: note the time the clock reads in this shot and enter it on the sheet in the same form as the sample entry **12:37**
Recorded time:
**2:57**
